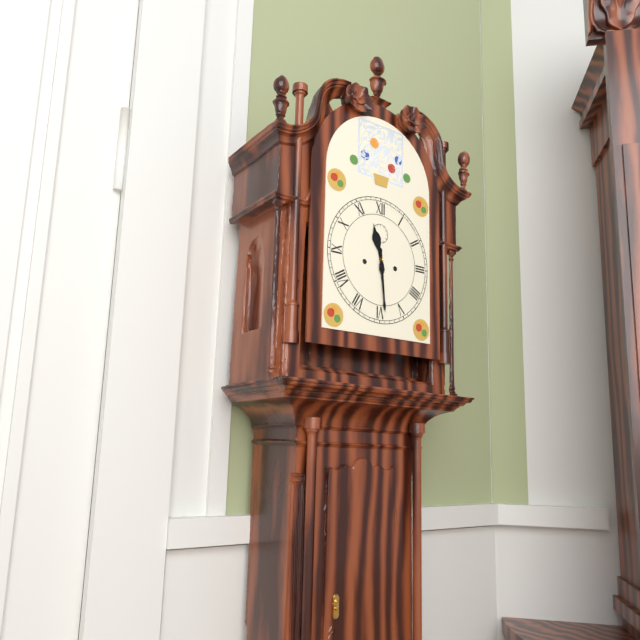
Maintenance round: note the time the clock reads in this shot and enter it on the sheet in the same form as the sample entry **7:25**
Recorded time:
**11:29**
